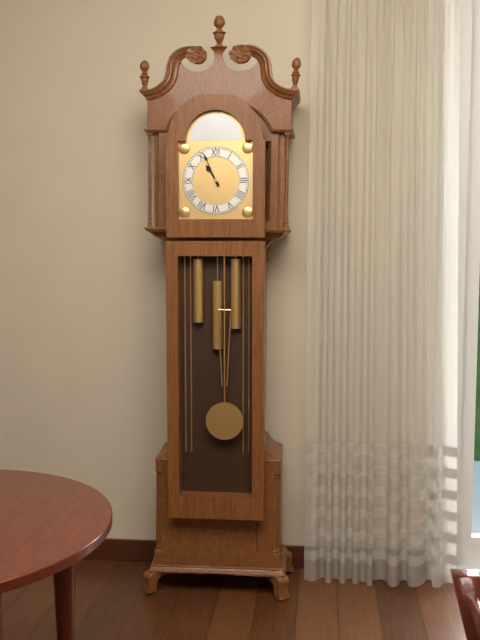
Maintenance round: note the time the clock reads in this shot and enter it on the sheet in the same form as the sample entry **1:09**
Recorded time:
**10:56**
